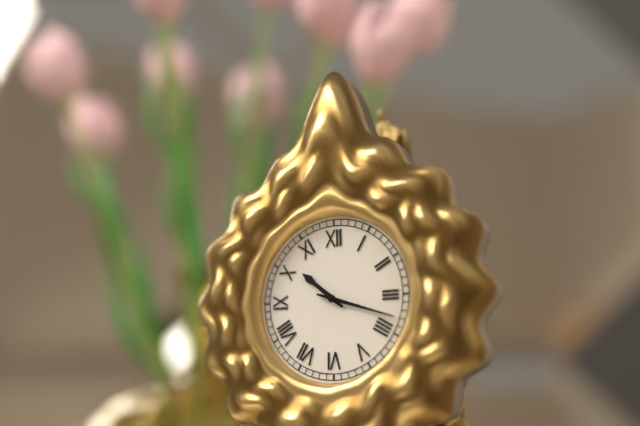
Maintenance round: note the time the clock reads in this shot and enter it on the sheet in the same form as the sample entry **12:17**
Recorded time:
**10:18**
